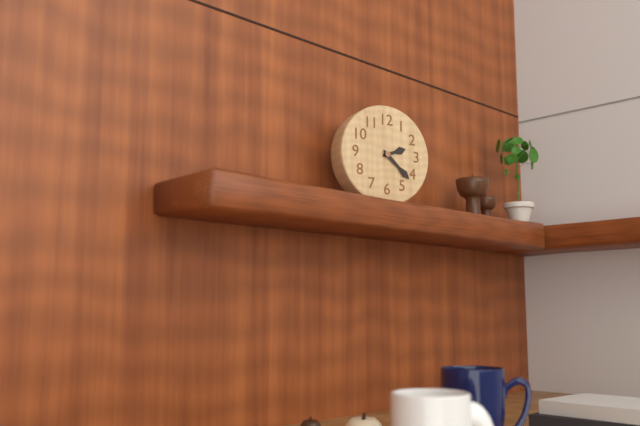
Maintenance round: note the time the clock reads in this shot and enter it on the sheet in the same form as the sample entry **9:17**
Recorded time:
**2:22**
